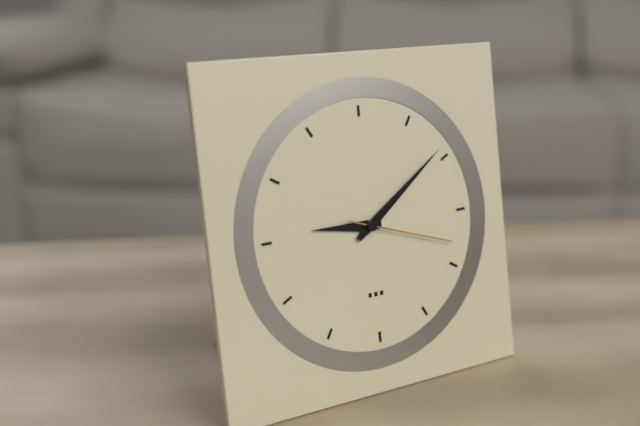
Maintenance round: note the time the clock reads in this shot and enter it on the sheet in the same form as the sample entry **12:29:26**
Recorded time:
**9:09:18**
